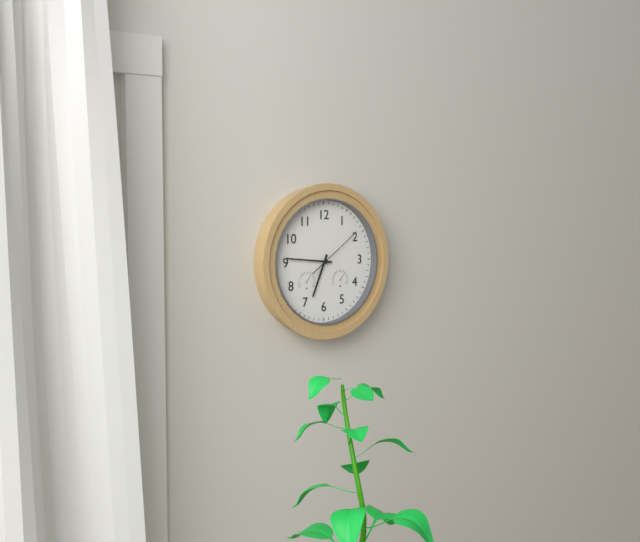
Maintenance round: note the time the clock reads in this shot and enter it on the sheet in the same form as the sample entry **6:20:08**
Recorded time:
**6:46:09**
